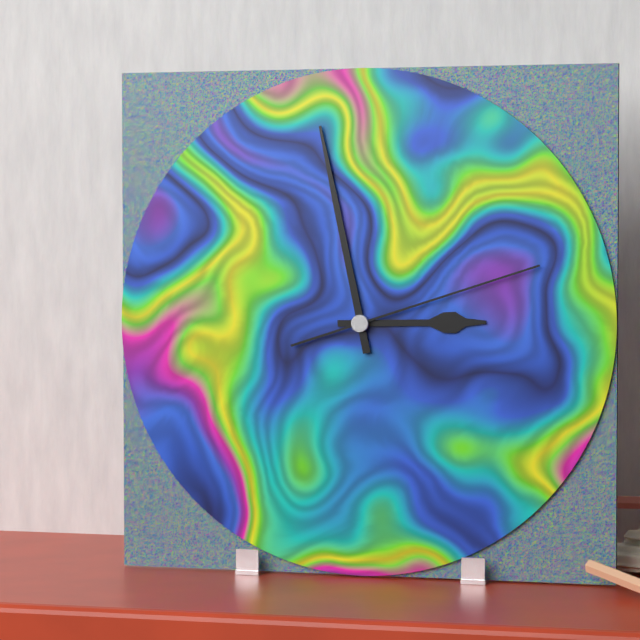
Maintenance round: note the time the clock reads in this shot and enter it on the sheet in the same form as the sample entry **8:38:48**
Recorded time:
**2:58:12**
